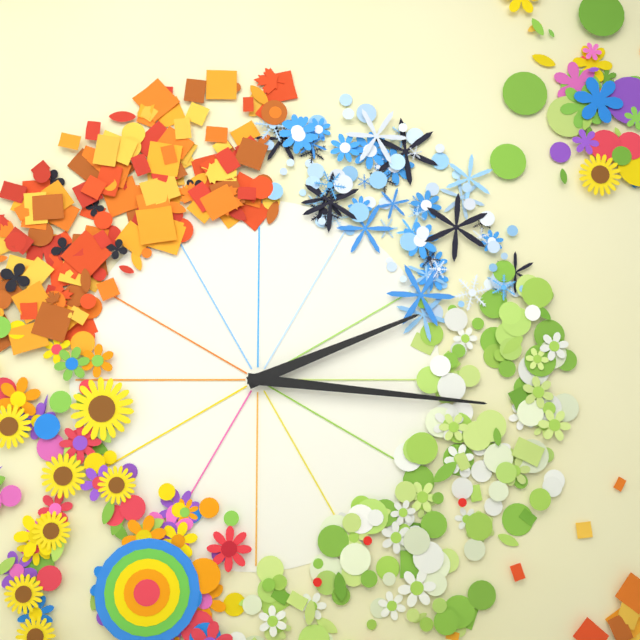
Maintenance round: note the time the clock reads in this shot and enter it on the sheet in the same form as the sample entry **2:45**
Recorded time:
**2:16**
